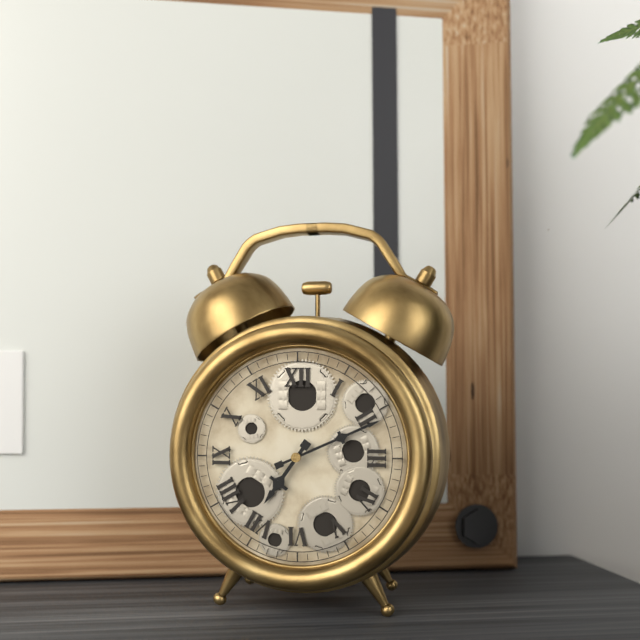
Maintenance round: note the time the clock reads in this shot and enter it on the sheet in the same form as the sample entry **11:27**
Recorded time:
**7:11**
